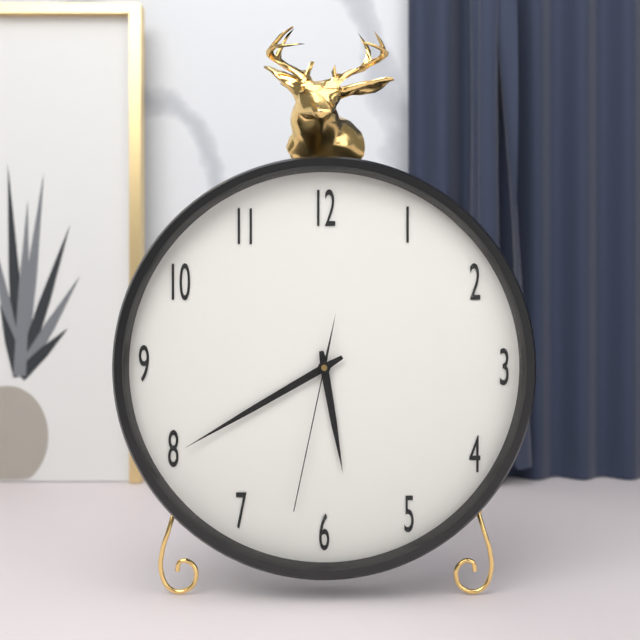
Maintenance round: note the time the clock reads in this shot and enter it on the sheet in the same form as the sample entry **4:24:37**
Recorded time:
**5:40:32**
